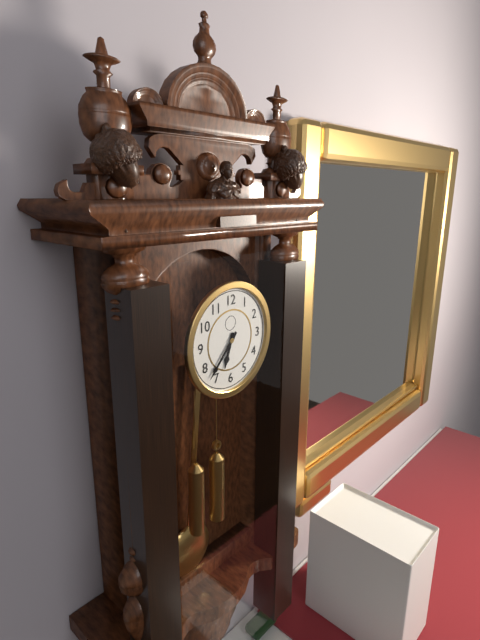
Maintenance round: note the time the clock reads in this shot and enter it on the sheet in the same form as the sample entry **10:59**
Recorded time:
**6:37**
